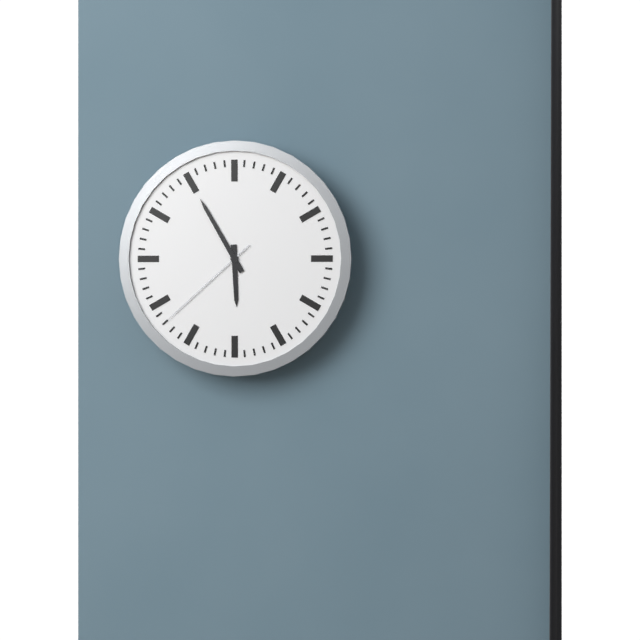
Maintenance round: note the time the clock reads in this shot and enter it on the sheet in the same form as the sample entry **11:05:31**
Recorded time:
**5:55:38**
